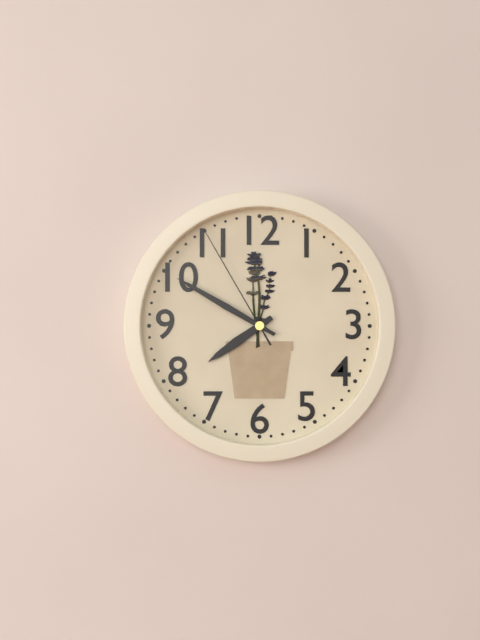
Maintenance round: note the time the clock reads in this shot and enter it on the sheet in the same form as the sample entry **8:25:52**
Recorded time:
**7:50:55**
